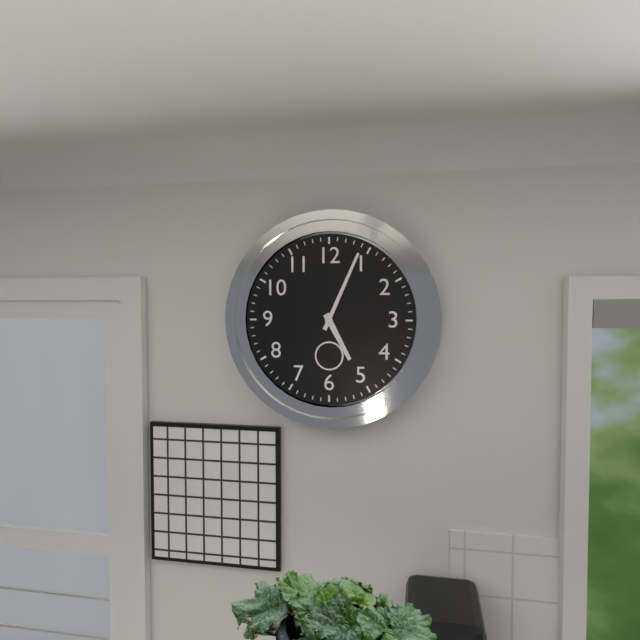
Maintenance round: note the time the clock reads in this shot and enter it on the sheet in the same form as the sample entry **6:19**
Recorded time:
**5:04**
